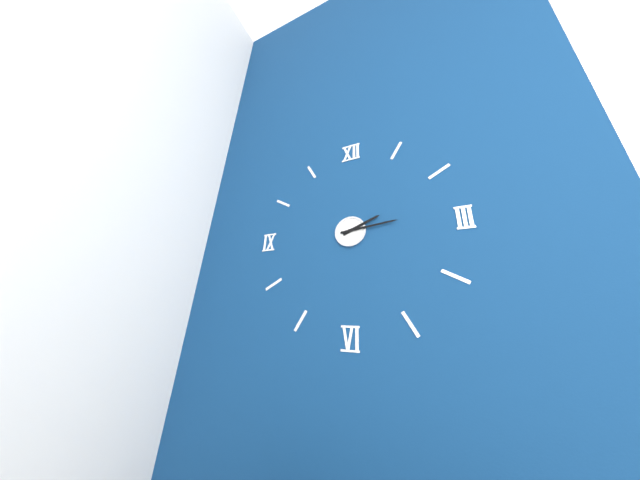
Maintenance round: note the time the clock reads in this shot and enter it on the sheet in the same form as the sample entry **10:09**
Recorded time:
**2:14**
